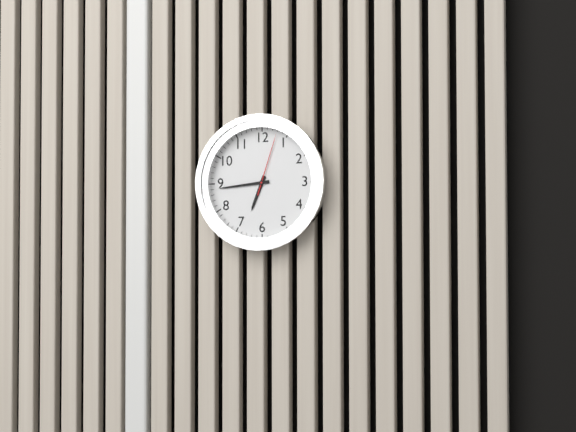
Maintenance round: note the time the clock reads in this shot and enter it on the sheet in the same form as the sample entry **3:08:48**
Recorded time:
**6:44:03**
